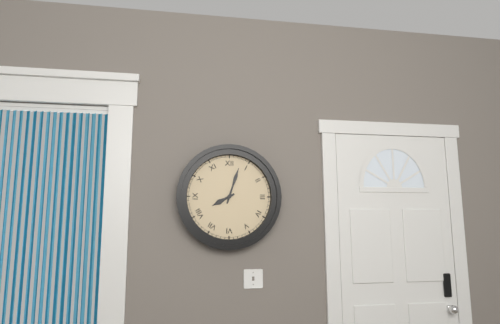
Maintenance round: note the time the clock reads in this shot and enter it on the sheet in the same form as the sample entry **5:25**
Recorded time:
**8:03**
